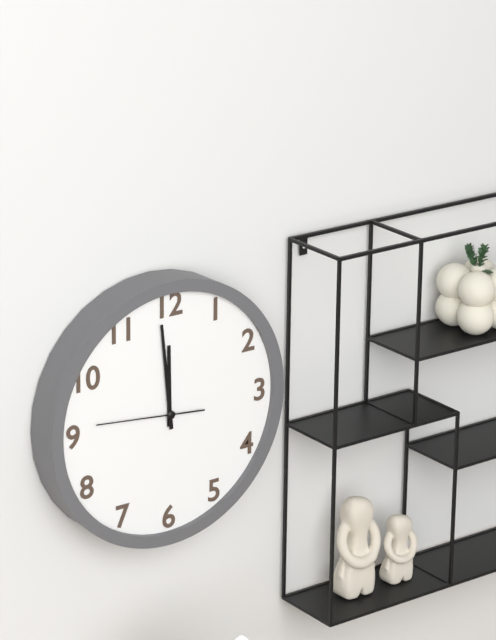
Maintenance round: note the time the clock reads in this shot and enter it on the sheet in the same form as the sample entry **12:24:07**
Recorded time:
**11:59:46**
